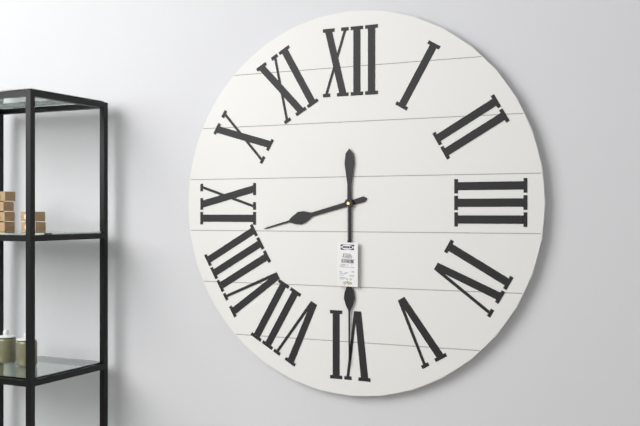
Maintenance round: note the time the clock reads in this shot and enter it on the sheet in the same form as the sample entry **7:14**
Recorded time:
**8:30**
